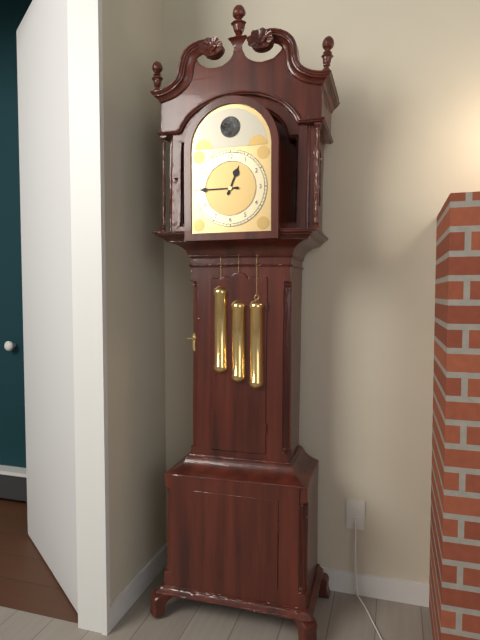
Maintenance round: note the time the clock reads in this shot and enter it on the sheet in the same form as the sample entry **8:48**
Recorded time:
**12:45**
